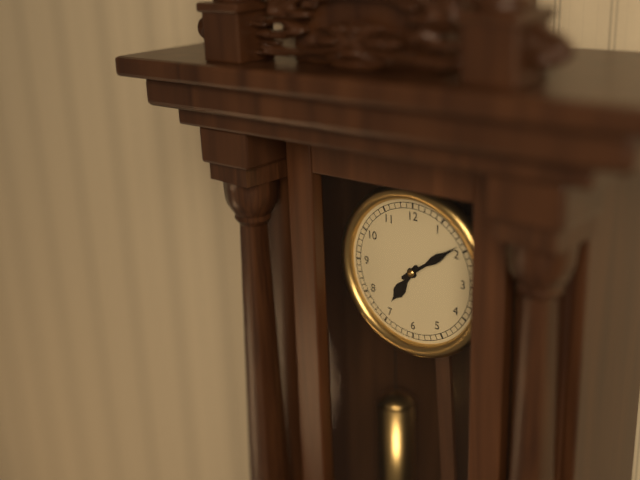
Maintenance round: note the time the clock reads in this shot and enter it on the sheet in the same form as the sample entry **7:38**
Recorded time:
**7:09**
